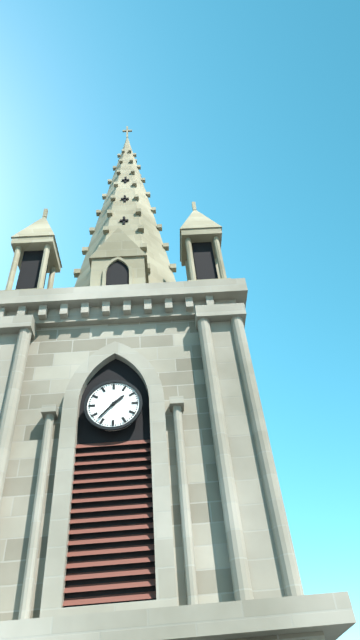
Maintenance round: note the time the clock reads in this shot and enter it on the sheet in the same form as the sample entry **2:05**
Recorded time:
**1:37**
